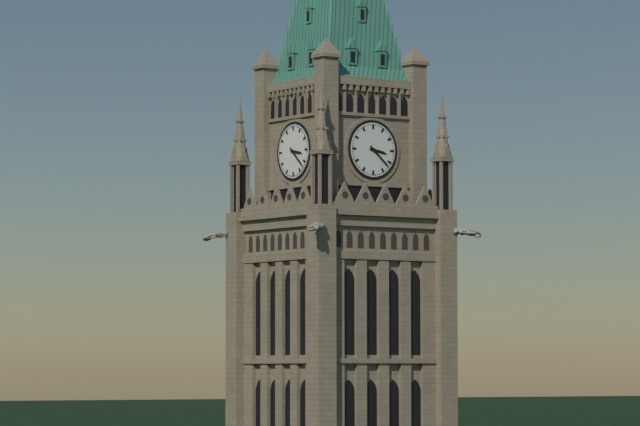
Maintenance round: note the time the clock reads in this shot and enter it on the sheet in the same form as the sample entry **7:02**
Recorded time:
**3:22**
